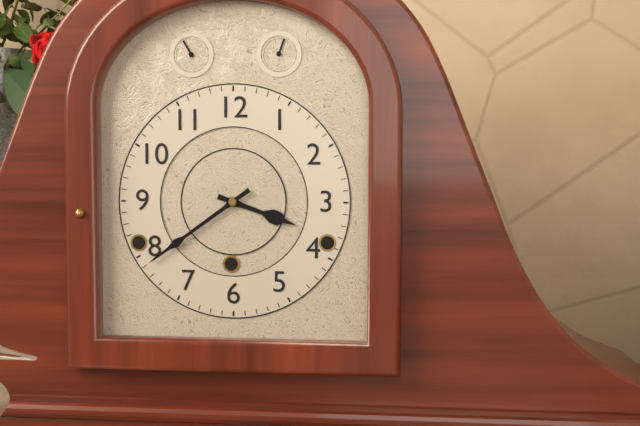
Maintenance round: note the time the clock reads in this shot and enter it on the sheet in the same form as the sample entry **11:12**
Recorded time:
**3:39**
